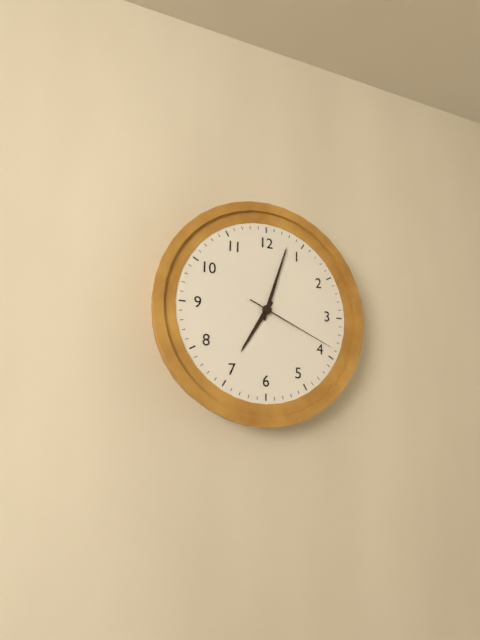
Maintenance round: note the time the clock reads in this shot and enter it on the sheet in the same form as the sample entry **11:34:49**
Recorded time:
**7:03:19**
